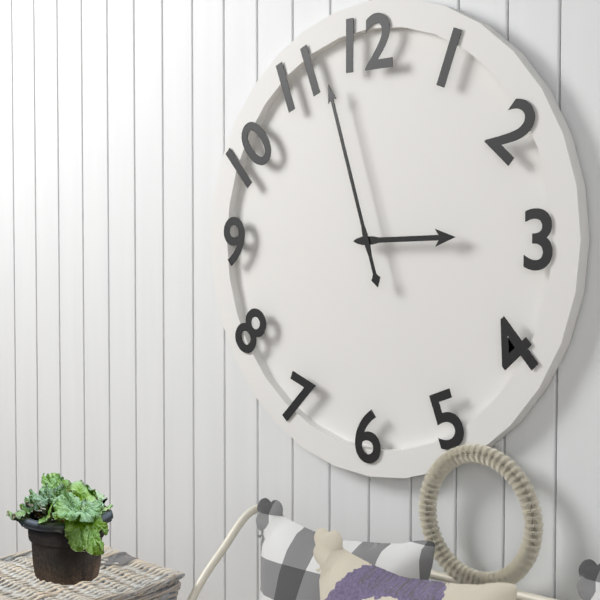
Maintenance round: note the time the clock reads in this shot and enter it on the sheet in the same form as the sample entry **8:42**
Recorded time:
**2:57**
